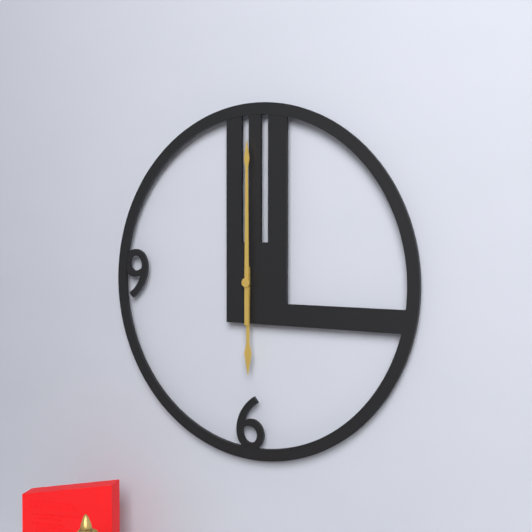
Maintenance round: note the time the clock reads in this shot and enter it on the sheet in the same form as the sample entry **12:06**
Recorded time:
**6:00**
